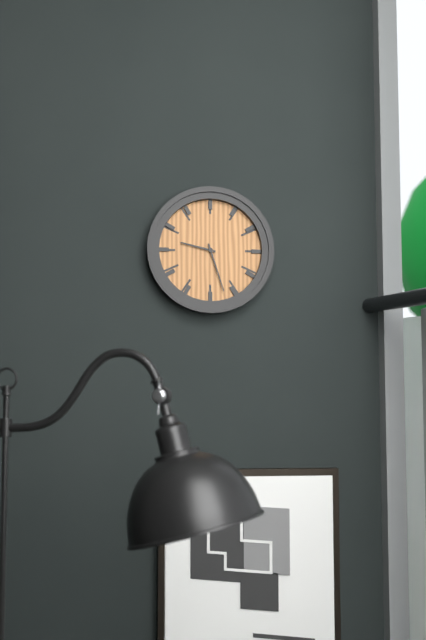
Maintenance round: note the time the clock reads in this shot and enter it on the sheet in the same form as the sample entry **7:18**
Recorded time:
**9:27**
